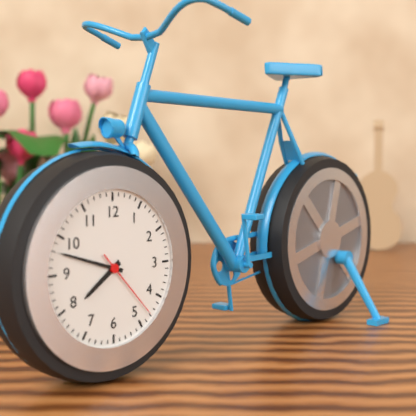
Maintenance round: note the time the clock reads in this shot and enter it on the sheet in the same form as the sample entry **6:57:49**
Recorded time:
**7:48:23**
